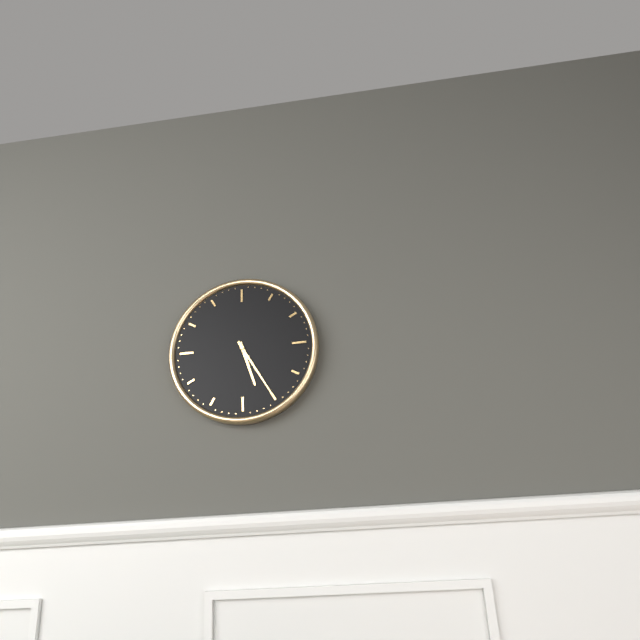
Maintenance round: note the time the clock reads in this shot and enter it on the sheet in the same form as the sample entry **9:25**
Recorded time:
**5:25**
